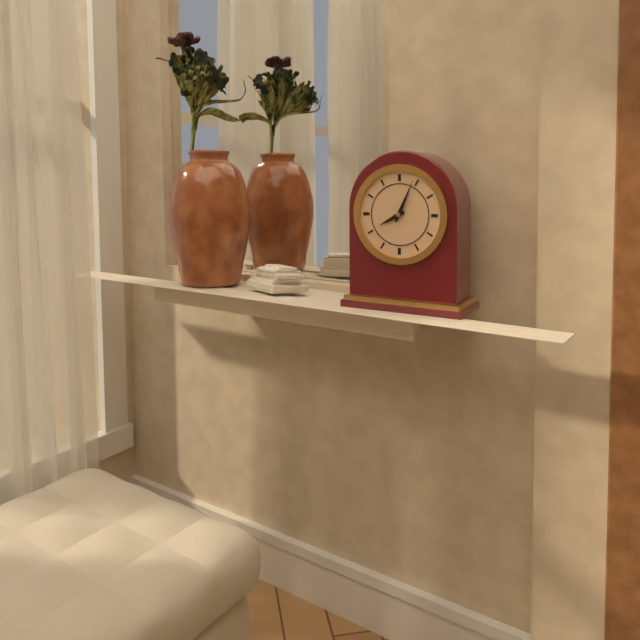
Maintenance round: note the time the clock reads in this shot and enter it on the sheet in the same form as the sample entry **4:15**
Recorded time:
**8:04**
